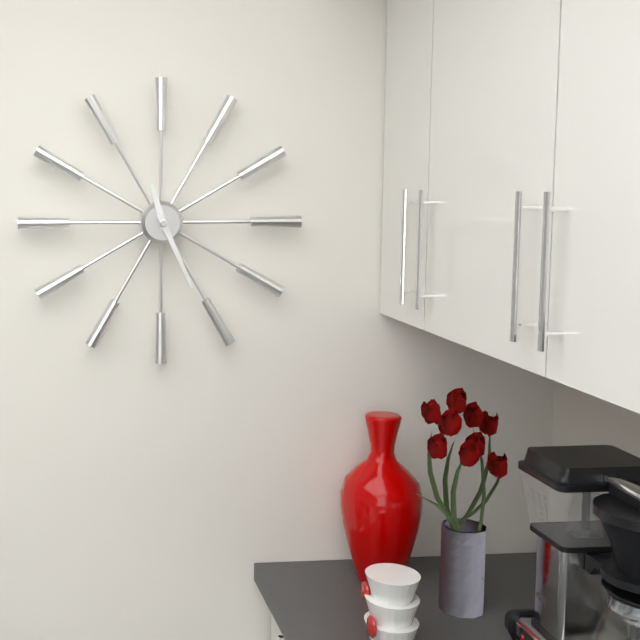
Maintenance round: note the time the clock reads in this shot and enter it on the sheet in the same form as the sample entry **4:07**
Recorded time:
**11:26**
